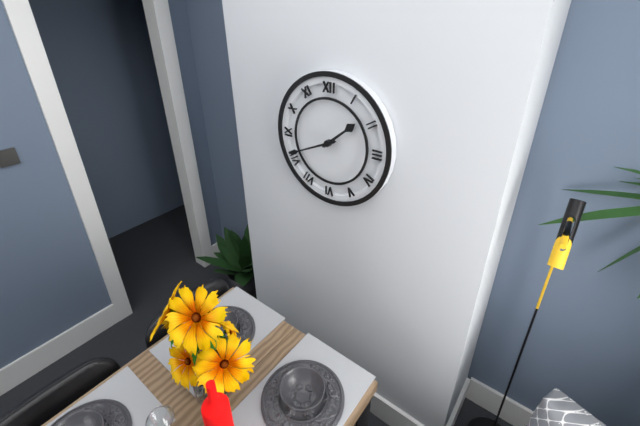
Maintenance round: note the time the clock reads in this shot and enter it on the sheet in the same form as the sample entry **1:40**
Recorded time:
**1:41**
